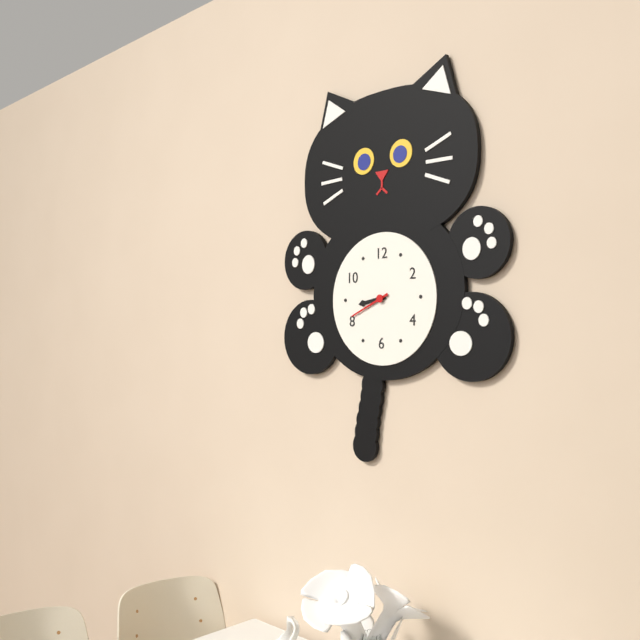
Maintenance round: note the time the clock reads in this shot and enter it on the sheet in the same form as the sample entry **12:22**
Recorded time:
**8:41**
